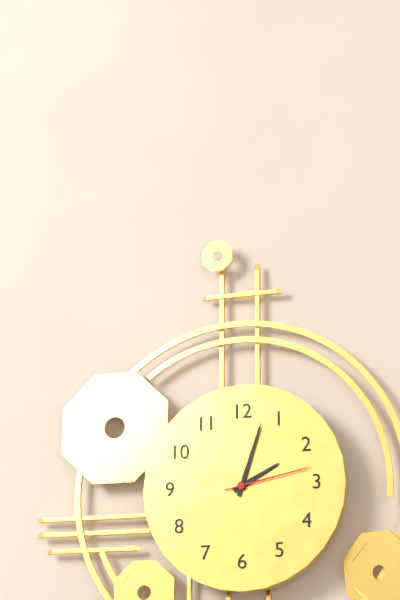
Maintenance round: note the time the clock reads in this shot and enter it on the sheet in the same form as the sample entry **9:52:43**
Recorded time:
**2:03:13**
